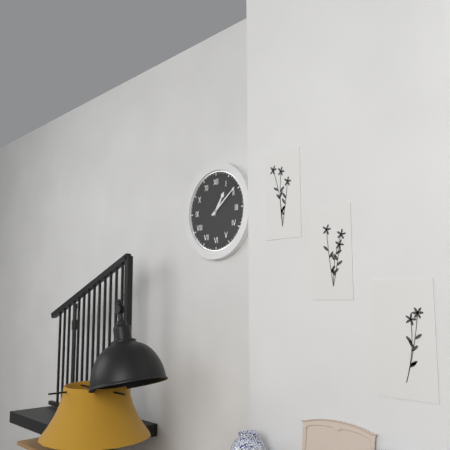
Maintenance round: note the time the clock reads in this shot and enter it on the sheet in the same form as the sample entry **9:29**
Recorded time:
**1:09**
